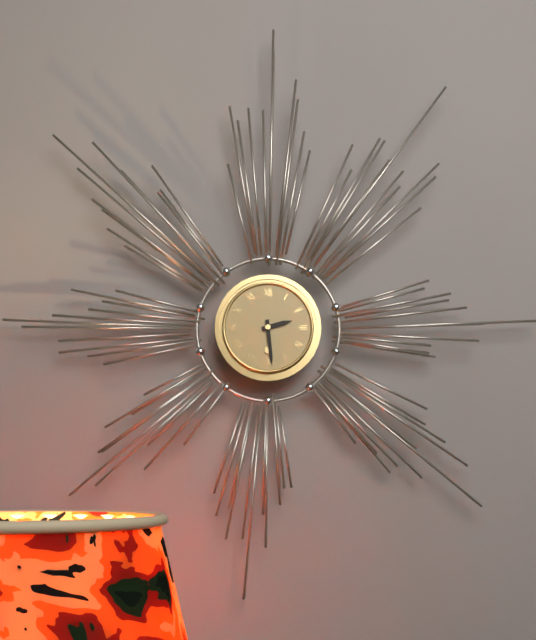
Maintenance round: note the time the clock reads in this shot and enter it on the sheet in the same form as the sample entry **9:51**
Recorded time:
**2:29**
